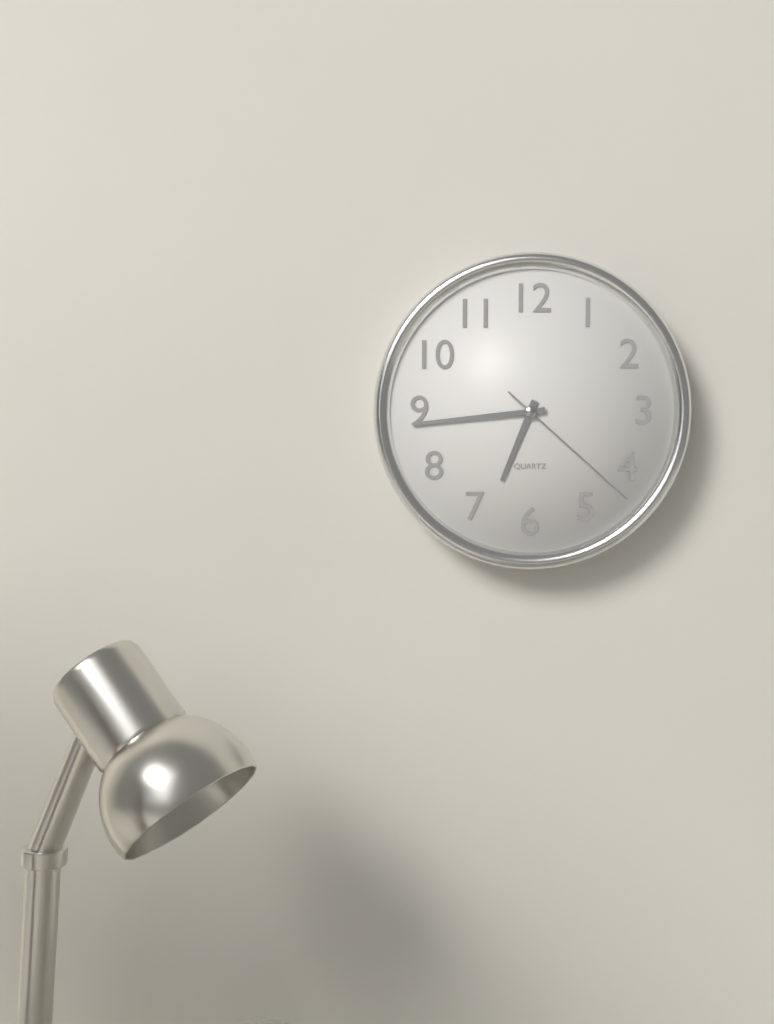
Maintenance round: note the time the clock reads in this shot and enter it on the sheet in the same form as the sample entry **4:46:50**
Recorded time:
**6:44:22**
